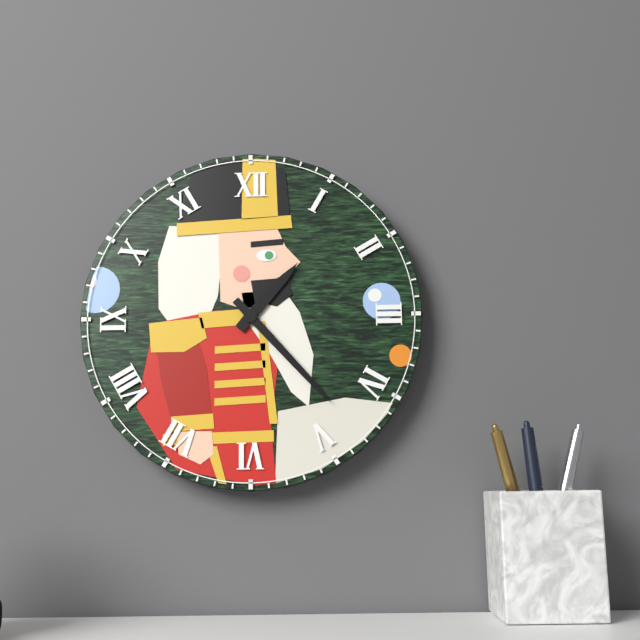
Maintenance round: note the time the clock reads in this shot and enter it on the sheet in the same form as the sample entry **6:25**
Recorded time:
**1:23**
